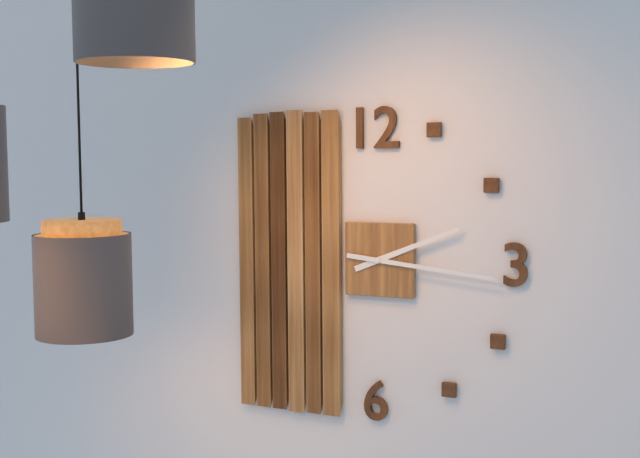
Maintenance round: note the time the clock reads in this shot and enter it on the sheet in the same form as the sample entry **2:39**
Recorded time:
**2:16**
